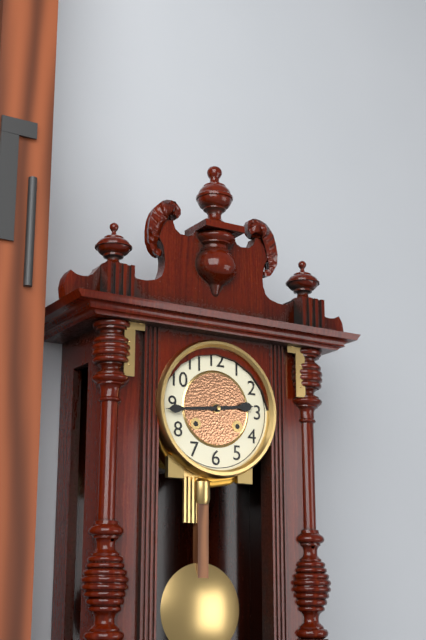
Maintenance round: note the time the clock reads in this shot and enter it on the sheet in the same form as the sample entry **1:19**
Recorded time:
**2:44**
